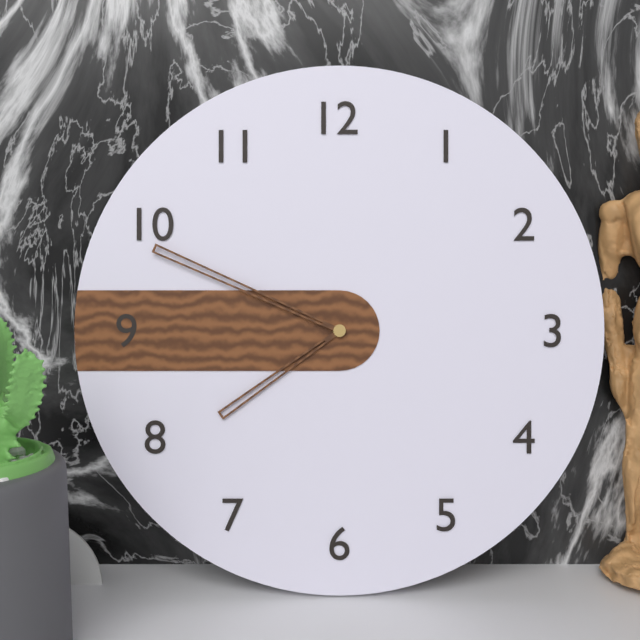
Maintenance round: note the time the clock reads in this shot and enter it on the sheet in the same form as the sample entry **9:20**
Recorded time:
**7:49**
